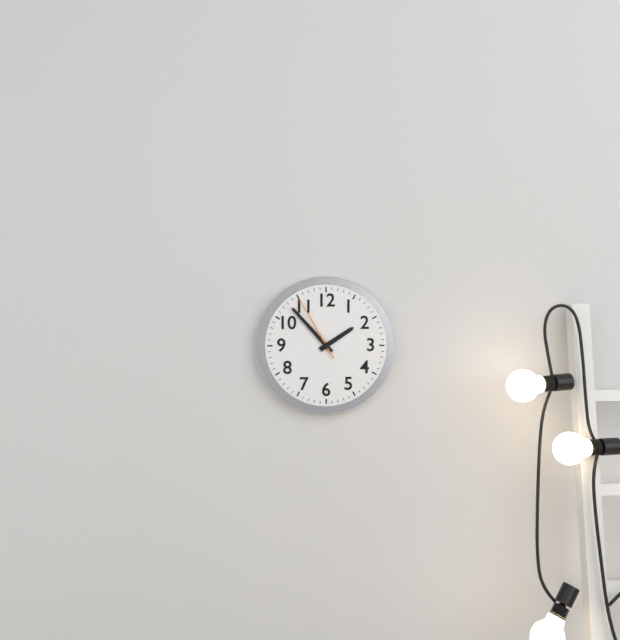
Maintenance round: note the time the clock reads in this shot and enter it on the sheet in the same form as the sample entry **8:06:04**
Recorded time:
**1:53:55**
